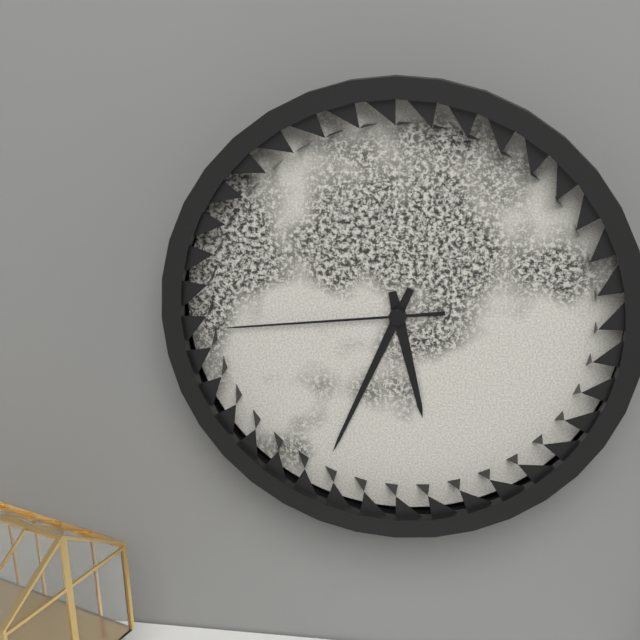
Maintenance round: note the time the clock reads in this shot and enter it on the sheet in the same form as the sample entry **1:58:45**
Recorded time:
**5:34:44**
